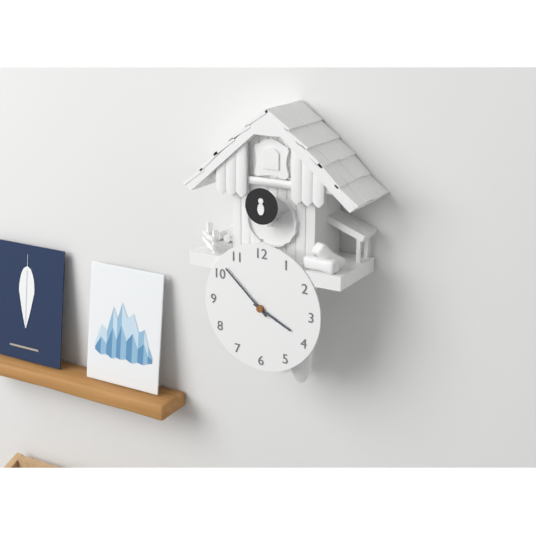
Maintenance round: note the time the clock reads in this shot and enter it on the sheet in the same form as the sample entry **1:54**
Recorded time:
**3:52**
